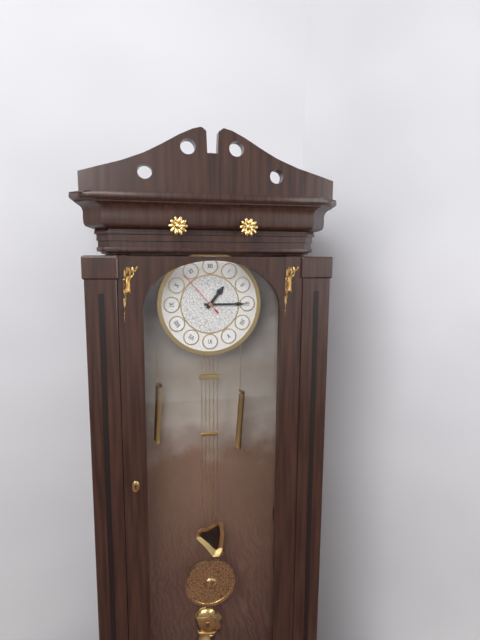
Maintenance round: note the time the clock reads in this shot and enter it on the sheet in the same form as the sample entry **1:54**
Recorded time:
**1:15**
